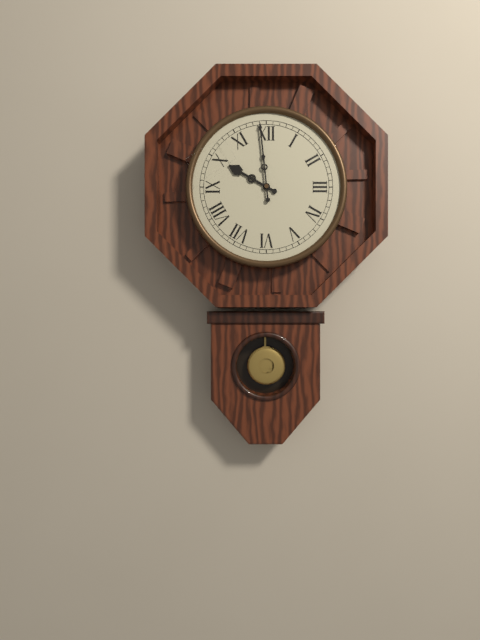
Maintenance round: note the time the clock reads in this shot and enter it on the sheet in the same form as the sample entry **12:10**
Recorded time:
**9:59**
